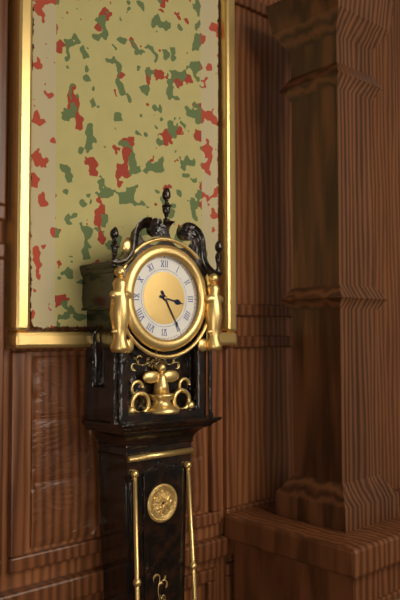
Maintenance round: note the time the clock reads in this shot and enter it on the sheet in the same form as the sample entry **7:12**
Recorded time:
**3:25**
